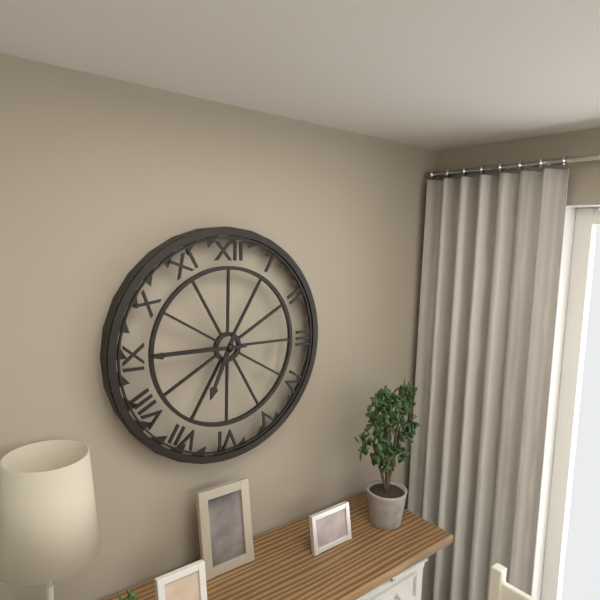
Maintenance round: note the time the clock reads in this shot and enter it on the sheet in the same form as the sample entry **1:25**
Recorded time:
**6:45**
